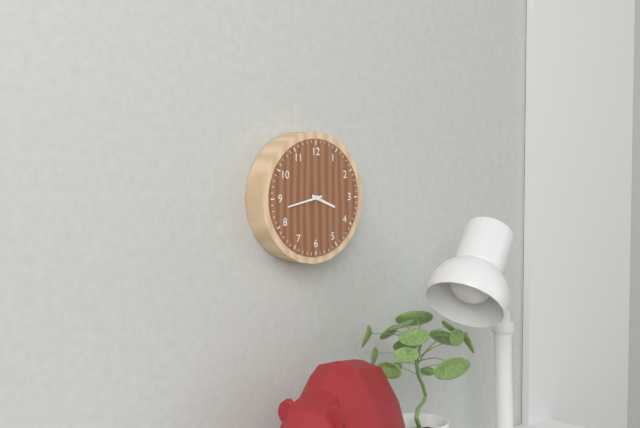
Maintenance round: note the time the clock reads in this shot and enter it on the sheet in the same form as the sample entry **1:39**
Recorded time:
**3:43**
